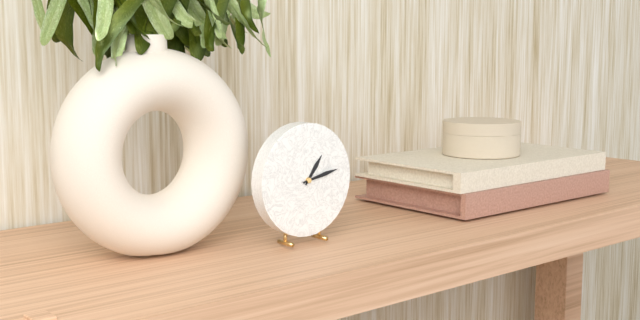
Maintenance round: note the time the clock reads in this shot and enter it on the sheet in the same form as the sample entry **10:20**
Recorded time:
**1:13**
